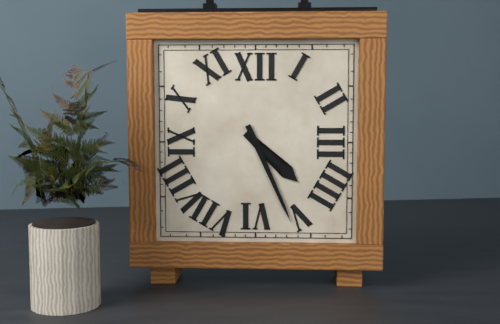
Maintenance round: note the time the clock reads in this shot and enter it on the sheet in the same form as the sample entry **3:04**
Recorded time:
**4:26**
